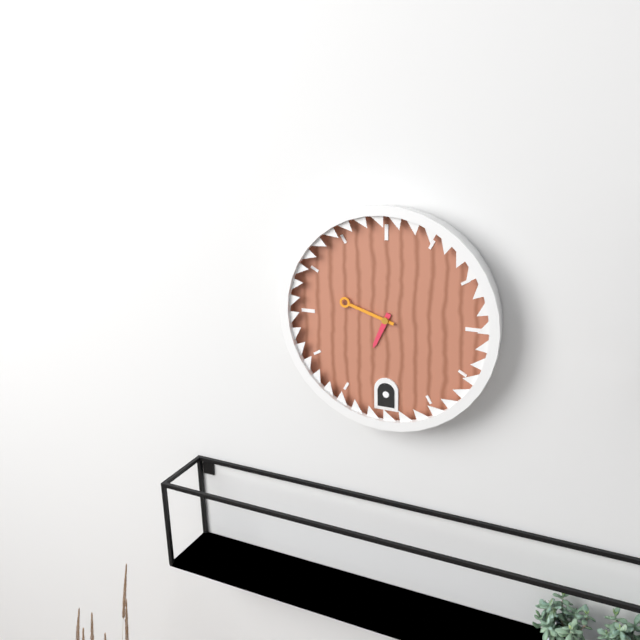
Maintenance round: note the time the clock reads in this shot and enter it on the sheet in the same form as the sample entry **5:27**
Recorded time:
**6:48**
